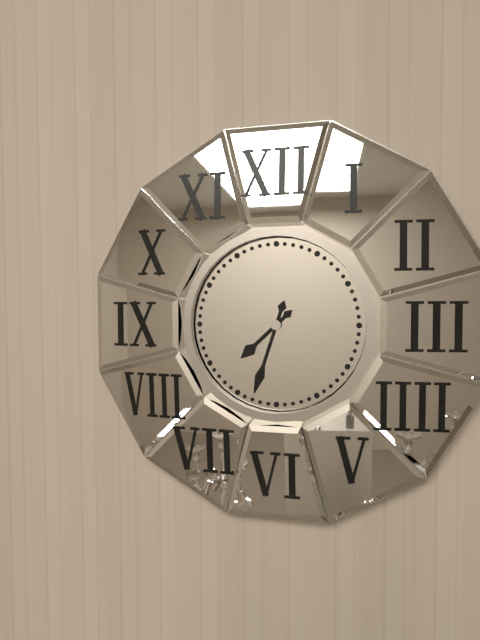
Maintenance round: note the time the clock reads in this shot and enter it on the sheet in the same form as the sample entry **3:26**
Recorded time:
**7:33**
